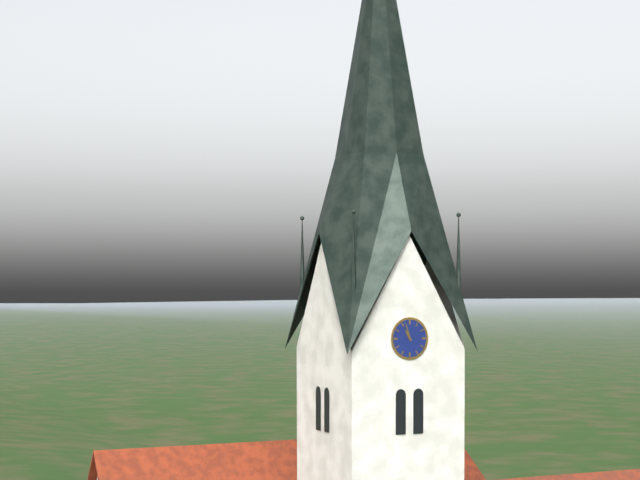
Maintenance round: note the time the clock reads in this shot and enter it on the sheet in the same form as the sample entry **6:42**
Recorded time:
**10:57**
